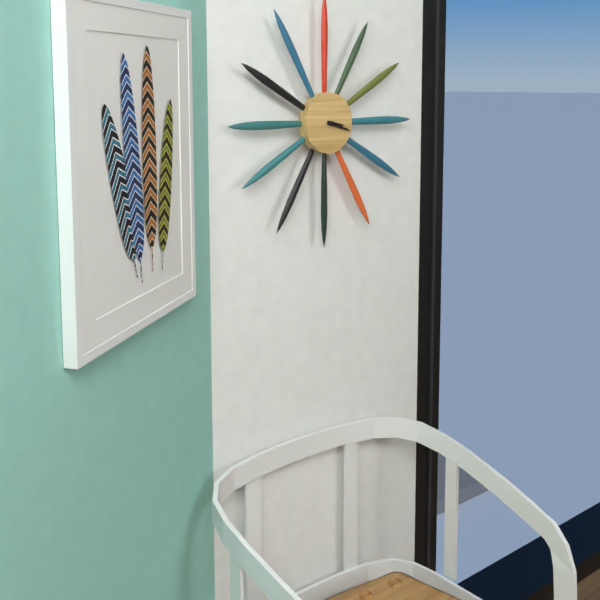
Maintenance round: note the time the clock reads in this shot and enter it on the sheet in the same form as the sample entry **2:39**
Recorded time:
**3:18**
